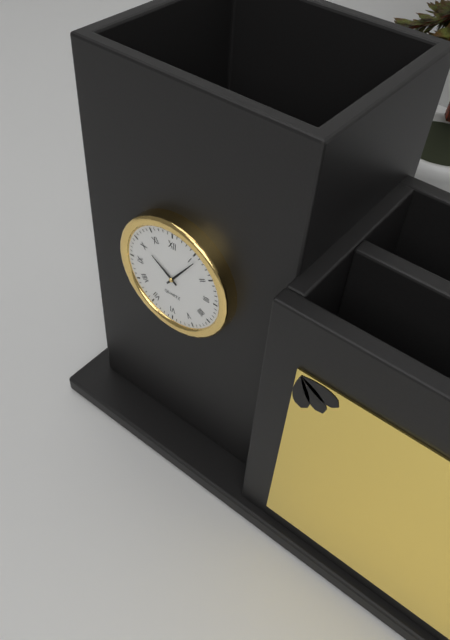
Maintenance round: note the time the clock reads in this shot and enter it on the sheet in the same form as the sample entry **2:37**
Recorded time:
**10:06**
